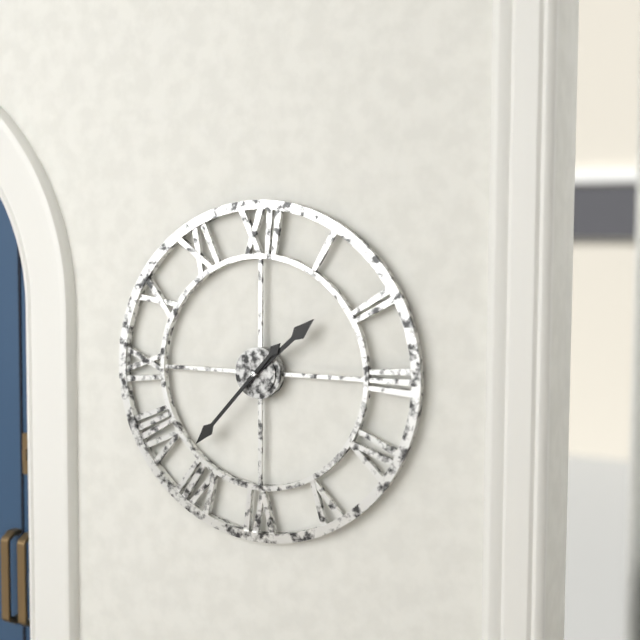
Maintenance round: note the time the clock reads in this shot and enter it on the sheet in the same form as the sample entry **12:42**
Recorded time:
**1:37**
